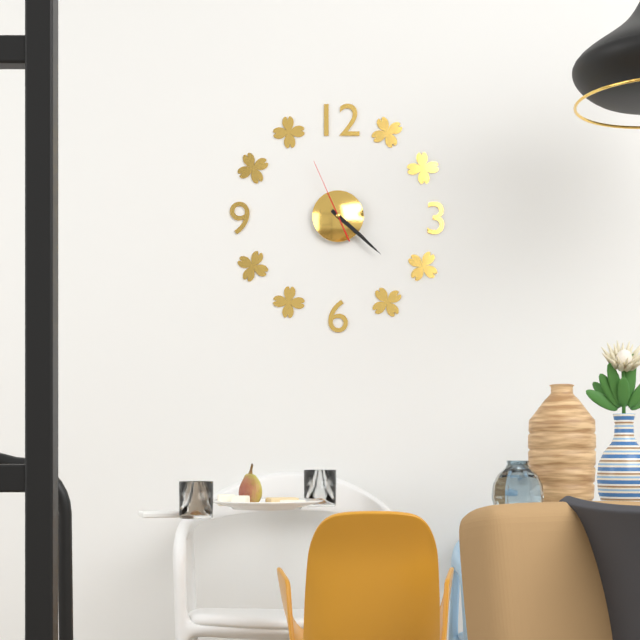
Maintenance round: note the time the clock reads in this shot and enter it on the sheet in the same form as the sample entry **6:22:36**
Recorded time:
**4:22:56**
